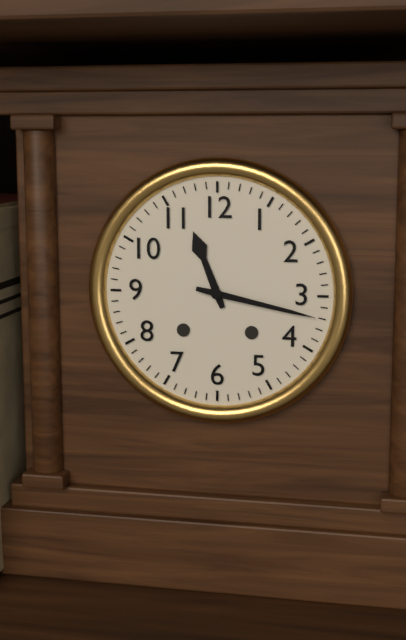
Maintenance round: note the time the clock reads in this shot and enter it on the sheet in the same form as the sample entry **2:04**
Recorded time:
**11:17**
